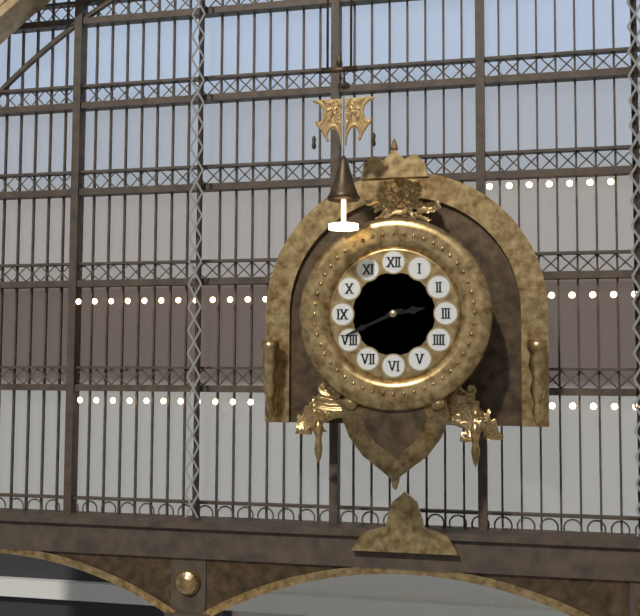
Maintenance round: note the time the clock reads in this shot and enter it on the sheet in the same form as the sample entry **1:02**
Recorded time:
**2:41**
